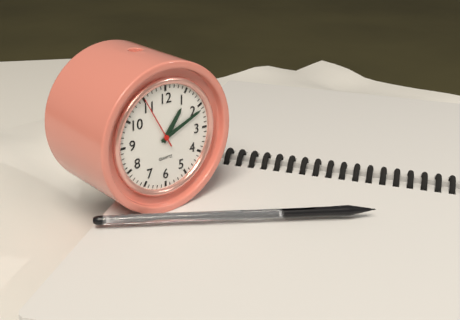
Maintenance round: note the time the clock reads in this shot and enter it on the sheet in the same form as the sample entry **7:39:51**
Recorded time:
**1:11:55**
